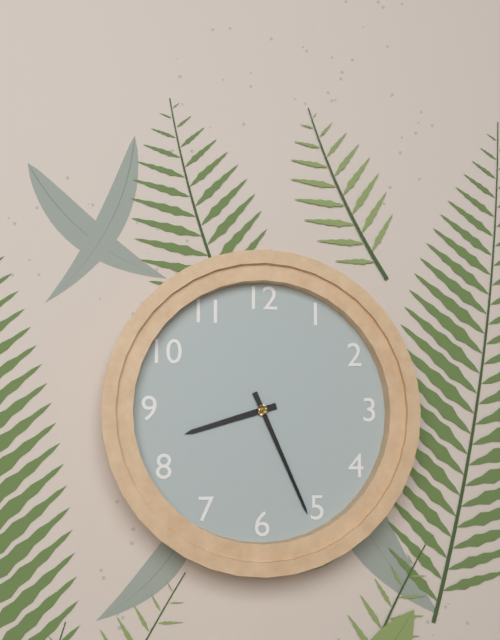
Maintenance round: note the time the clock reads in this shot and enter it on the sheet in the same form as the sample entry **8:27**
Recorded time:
**8:26**
